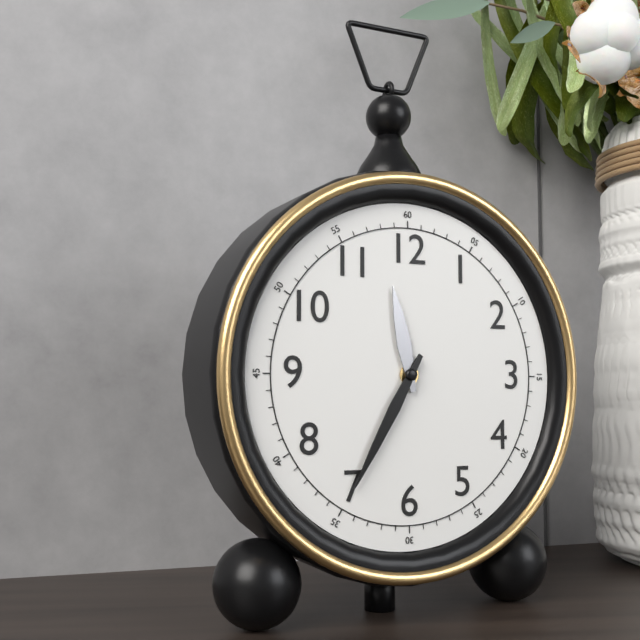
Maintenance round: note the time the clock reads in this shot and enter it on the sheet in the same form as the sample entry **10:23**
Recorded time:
**11:35**
